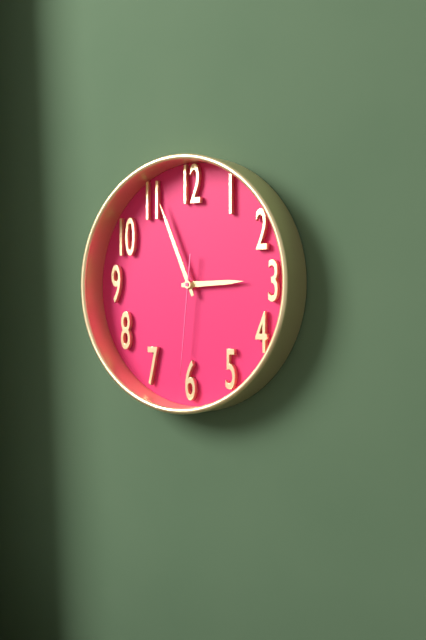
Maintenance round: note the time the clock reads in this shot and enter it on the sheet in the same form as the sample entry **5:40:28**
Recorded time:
**2:56:31**
